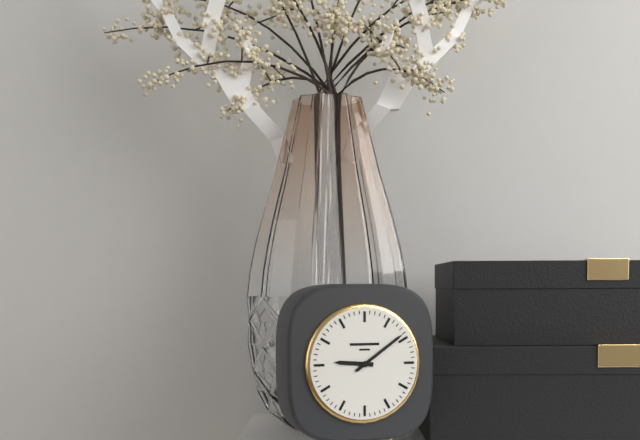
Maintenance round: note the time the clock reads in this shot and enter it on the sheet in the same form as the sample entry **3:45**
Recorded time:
**9:09**
